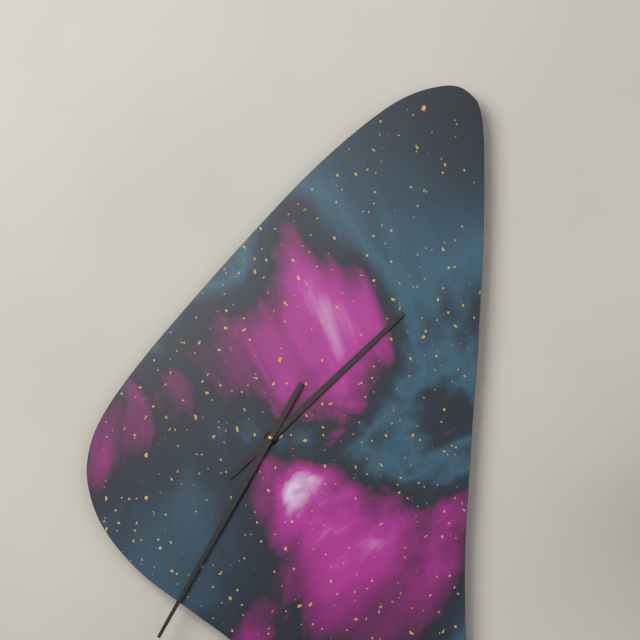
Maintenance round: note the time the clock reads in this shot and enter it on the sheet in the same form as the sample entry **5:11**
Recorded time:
**1:35**
